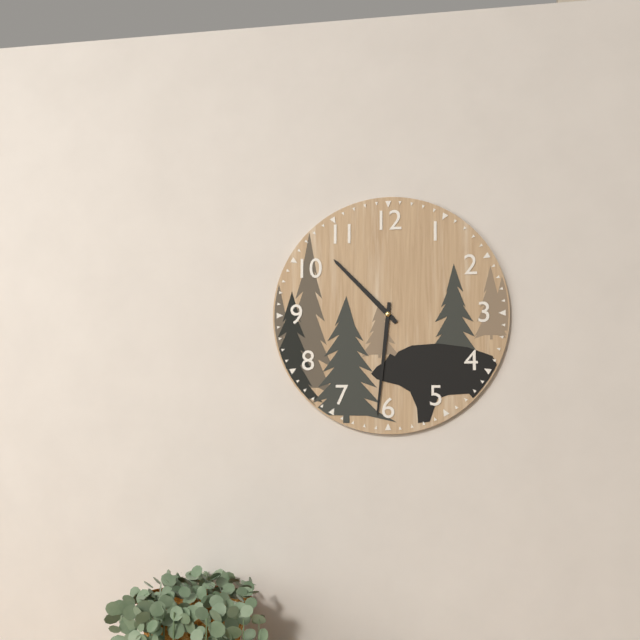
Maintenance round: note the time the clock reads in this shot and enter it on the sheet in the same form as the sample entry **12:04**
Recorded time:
**10:31**
